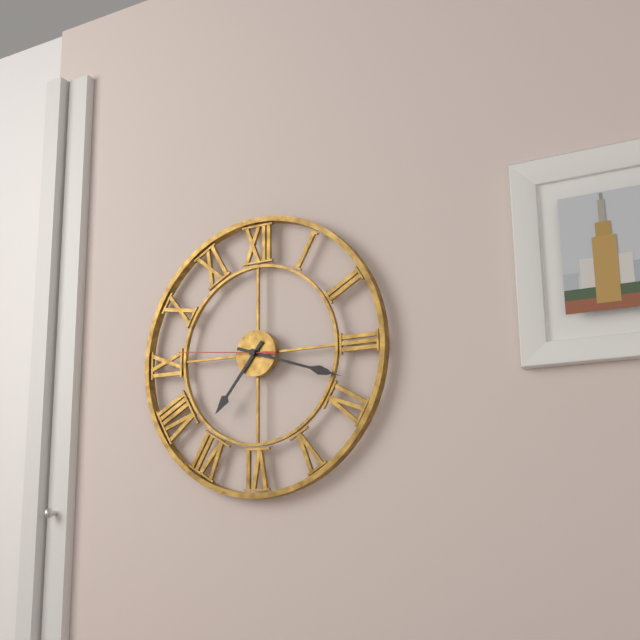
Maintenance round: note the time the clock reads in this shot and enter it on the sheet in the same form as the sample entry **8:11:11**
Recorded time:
**7:18:46**
